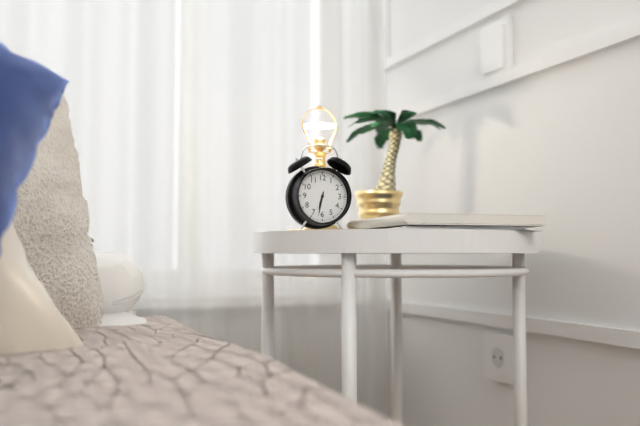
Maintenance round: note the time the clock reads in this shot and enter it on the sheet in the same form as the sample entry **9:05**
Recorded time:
**6:32**
